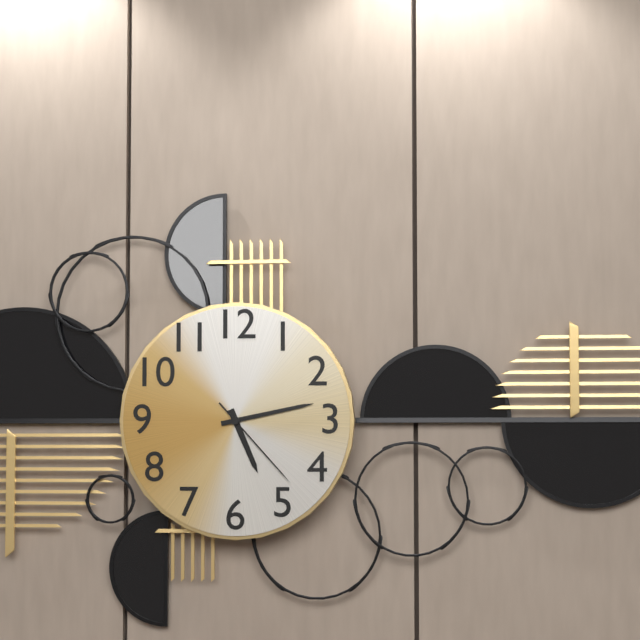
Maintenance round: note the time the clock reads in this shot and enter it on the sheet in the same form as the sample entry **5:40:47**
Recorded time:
**5:13:23**
